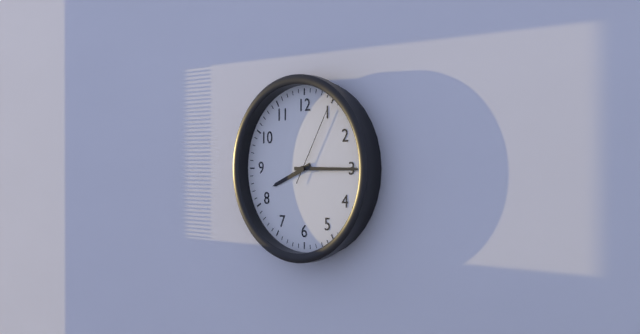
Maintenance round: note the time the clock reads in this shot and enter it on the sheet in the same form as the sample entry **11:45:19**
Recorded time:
**8:15:05**
